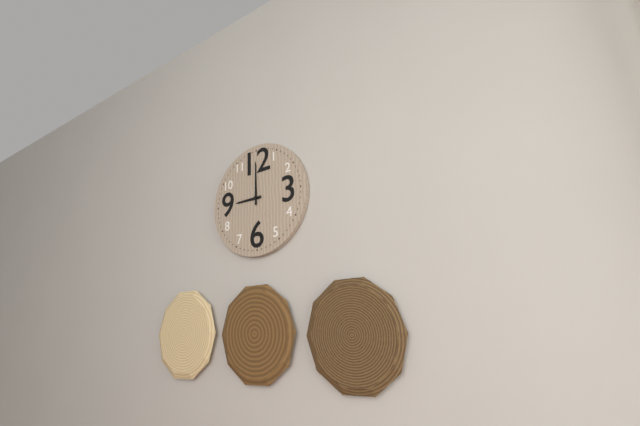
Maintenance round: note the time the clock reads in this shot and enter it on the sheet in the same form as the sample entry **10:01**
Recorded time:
**9:00**
